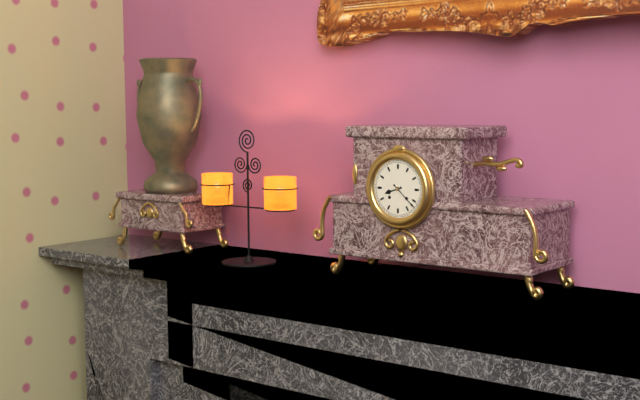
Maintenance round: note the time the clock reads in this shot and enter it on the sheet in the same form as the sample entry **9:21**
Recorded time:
**8:22**
